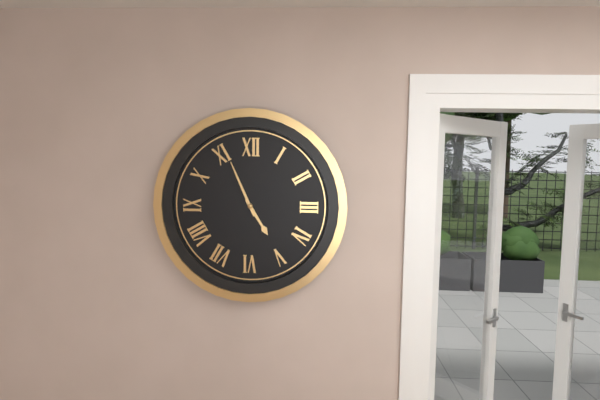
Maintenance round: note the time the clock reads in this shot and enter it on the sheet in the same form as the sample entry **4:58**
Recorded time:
**4:56**
